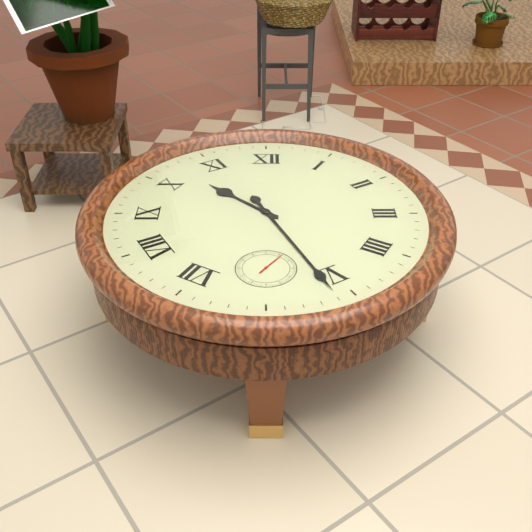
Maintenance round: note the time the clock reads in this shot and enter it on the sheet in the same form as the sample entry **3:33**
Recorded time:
**10:26**
